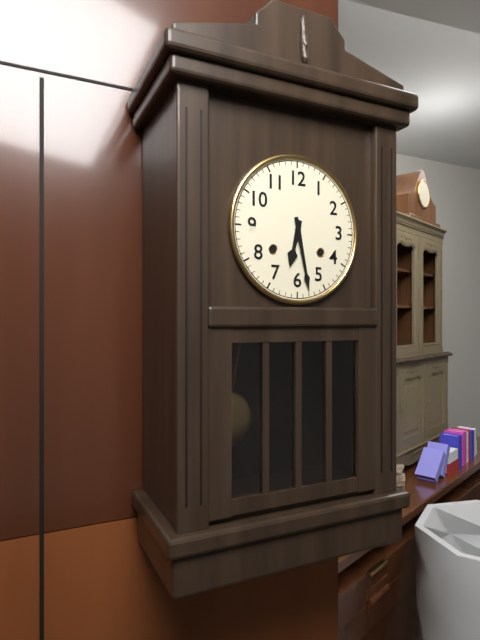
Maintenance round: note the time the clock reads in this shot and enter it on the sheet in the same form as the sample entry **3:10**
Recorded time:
**6:28**
